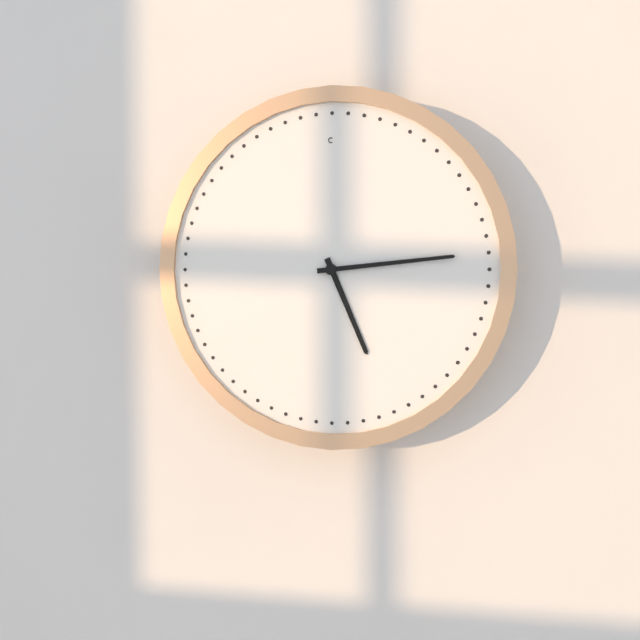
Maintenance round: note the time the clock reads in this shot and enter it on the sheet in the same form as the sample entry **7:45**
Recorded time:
**5:14**
